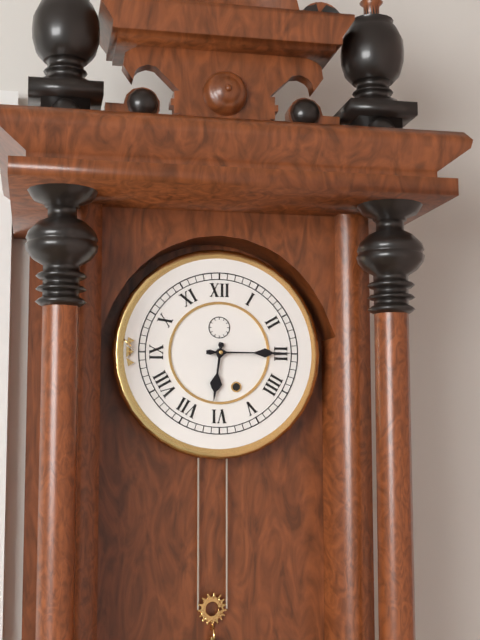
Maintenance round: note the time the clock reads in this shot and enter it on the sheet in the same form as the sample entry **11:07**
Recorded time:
**6:15**
